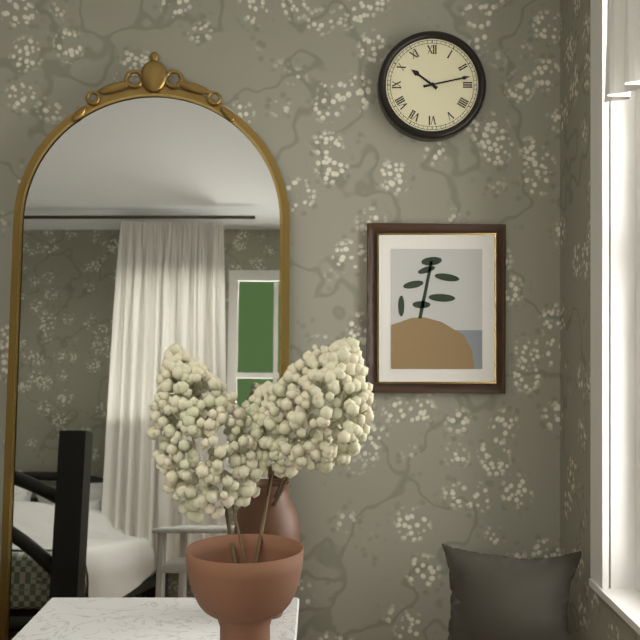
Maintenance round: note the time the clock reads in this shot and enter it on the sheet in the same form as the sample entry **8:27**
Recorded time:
**10:13**
